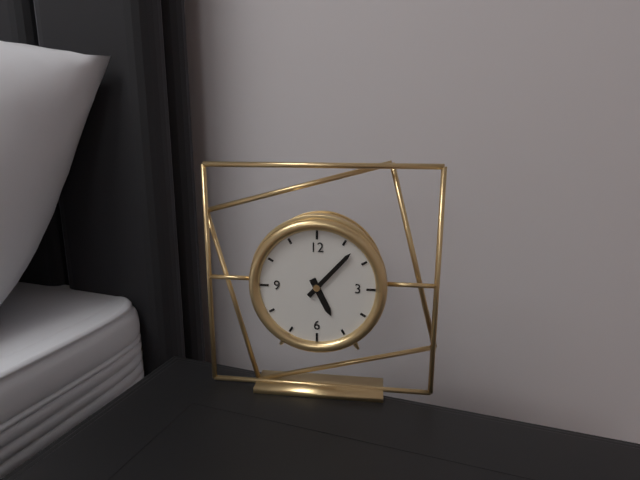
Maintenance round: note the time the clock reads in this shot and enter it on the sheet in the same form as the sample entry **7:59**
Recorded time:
**5:07**
